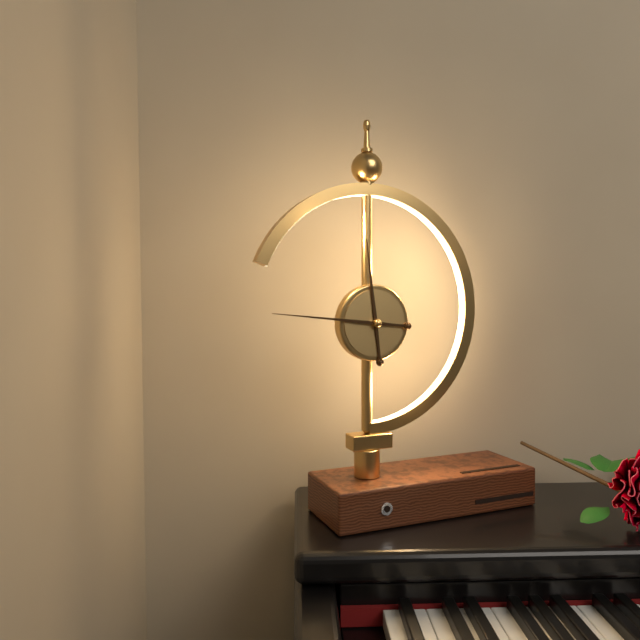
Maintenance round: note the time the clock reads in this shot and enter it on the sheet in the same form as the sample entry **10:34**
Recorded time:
**11:46**
